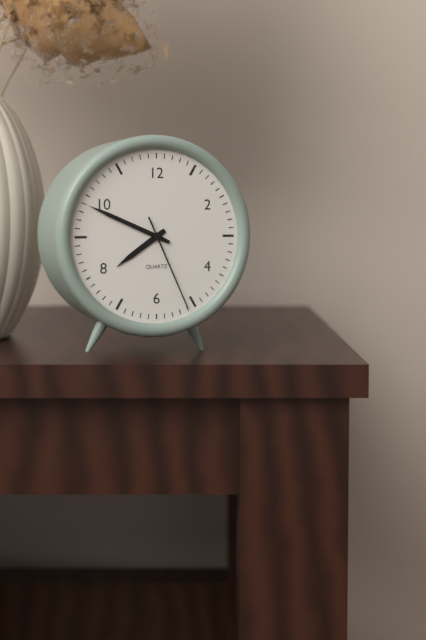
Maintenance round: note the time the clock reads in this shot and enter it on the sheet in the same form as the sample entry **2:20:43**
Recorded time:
**7:49:26**
